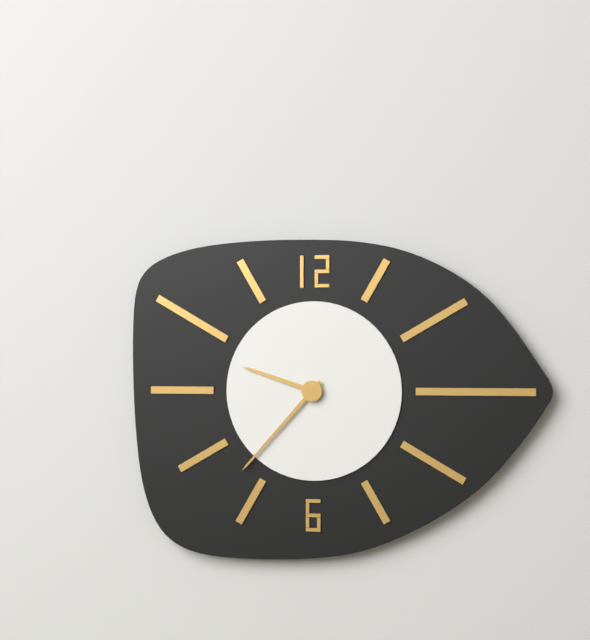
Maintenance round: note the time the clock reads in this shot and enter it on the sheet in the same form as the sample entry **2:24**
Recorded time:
**9:37**
